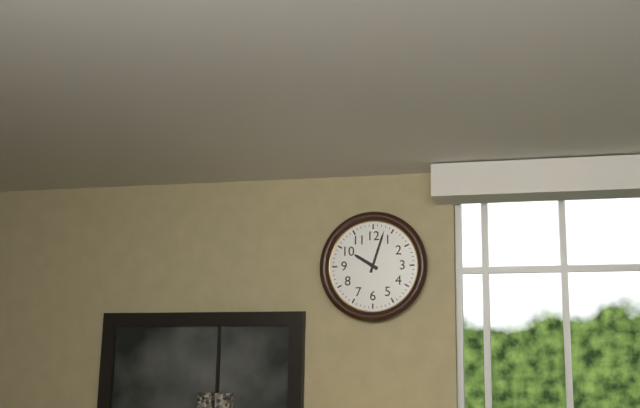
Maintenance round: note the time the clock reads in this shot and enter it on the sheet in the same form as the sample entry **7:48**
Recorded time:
**10:03**
